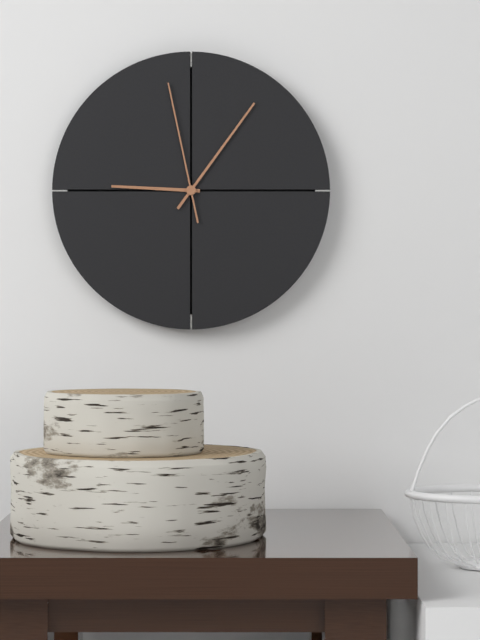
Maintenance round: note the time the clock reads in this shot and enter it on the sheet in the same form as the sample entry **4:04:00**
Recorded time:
**9:06:58**
